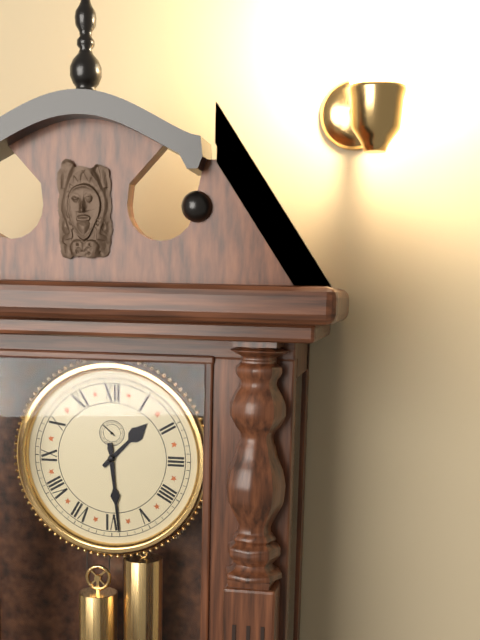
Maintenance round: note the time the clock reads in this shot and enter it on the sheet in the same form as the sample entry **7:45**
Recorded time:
**1:29**
